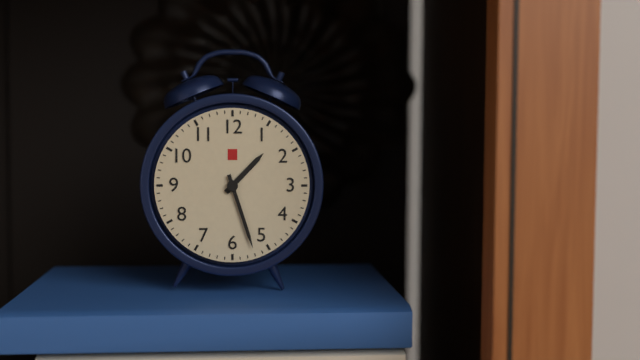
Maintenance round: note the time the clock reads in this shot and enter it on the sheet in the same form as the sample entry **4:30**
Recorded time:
**1:27**
